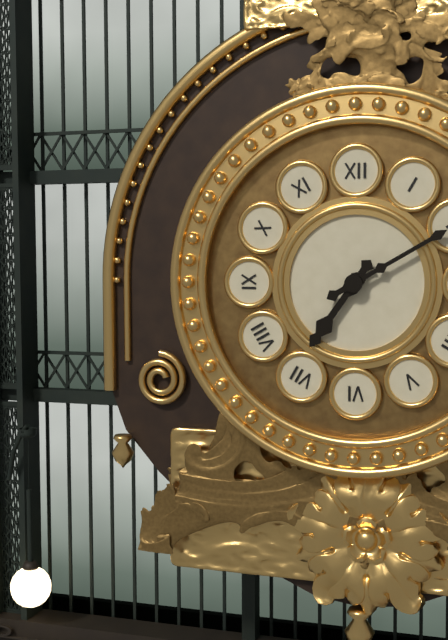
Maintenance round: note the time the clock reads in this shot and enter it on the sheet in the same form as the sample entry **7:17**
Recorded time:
**7:10**
